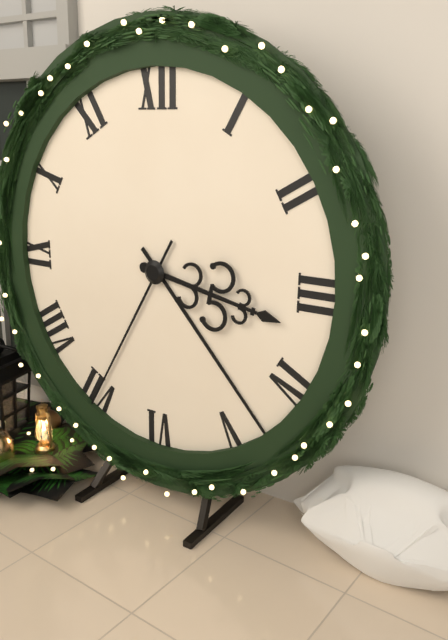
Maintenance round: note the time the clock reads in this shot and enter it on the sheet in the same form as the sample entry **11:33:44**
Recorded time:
**3:23:35**
